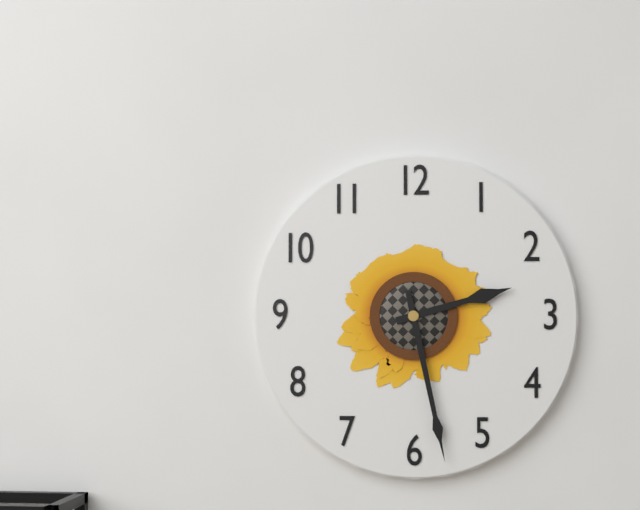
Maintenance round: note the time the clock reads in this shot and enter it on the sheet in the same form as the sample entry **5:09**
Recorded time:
**2:28**
